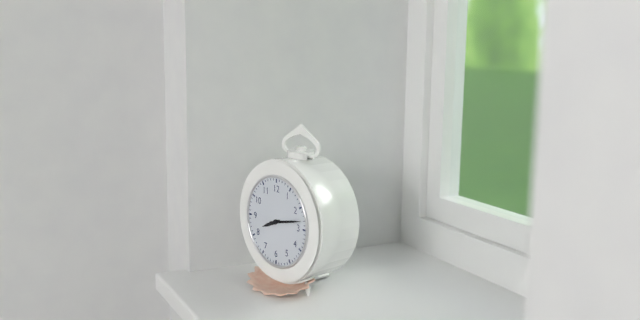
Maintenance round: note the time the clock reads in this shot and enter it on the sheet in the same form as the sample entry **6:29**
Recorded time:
**8:13**
